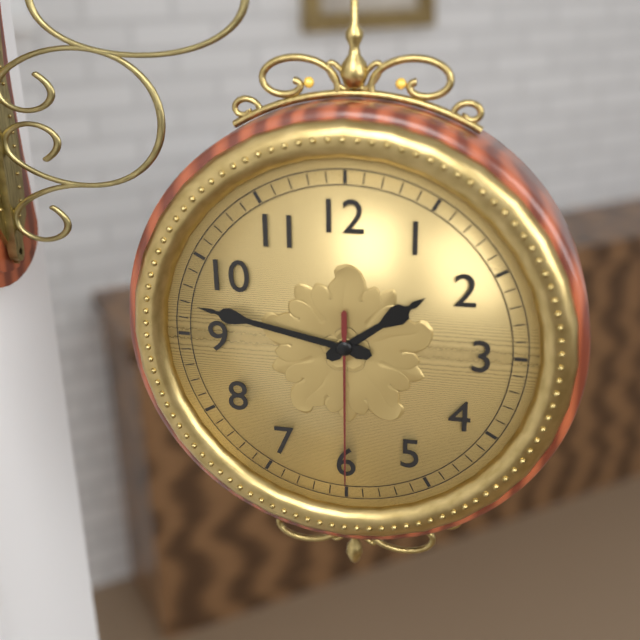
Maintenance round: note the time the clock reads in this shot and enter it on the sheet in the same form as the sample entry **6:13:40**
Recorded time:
**1:47:30**
